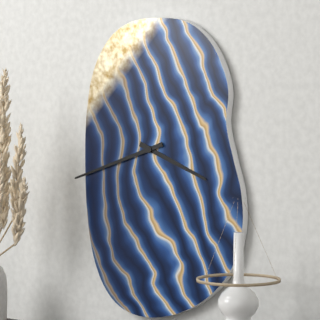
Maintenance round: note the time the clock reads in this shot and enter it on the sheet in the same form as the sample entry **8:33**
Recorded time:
**3:42**
